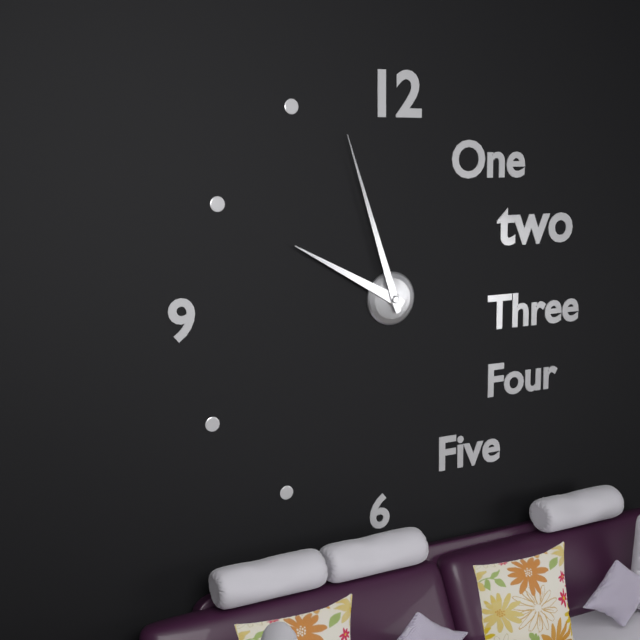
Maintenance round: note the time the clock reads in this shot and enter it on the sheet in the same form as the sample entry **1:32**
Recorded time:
**9:57**
